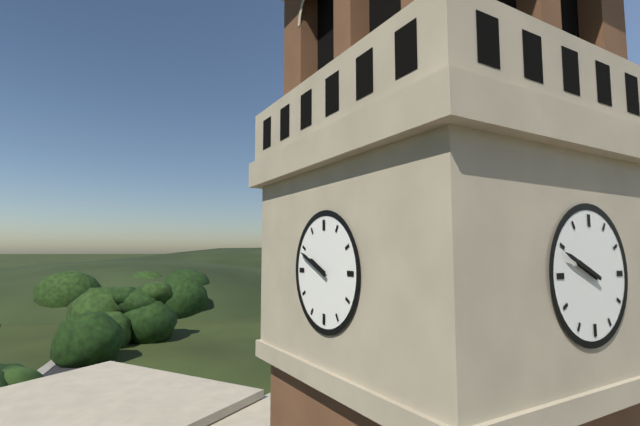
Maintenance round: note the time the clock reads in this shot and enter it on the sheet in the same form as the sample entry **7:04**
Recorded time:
**9:49**
